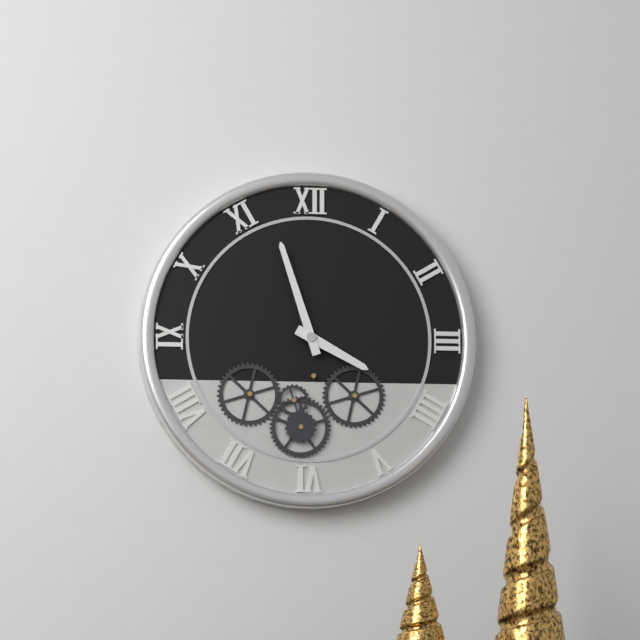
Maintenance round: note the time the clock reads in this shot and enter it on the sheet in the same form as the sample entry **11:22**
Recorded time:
**3:57**
